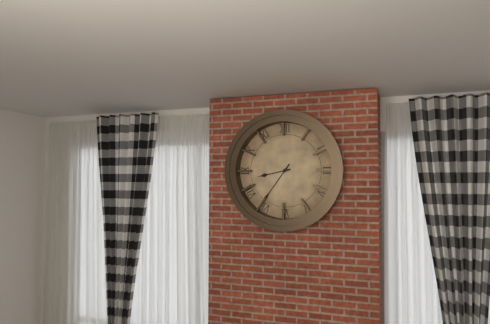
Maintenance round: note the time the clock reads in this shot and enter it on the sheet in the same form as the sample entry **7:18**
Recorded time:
**8:36**
